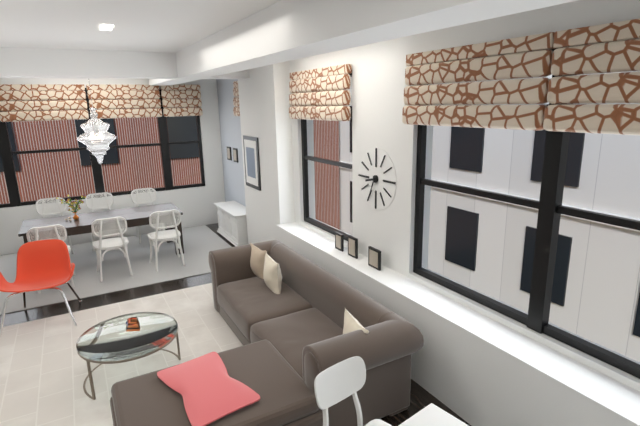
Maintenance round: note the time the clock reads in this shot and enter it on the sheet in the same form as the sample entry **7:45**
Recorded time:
**8:34**
